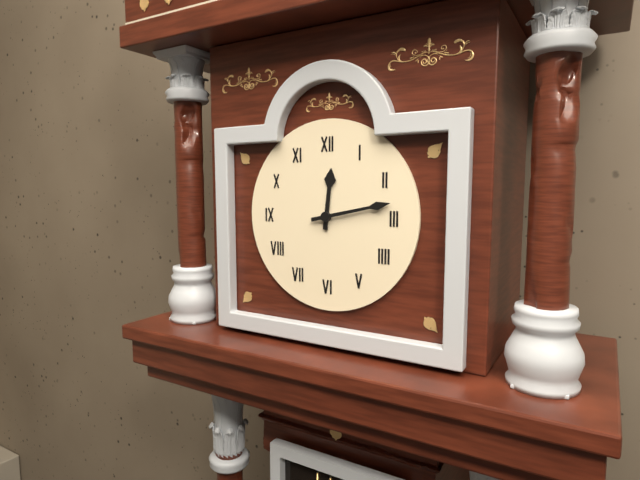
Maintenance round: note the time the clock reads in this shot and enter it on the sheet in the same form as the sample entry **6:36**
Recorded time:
**12:13**
